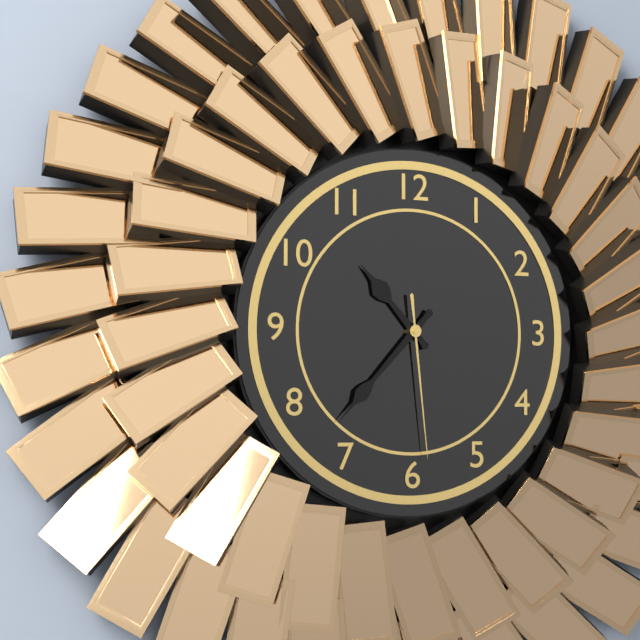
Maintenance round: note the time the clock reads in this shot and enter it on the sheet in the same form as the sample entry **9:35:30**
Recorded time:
**10:37:29**
